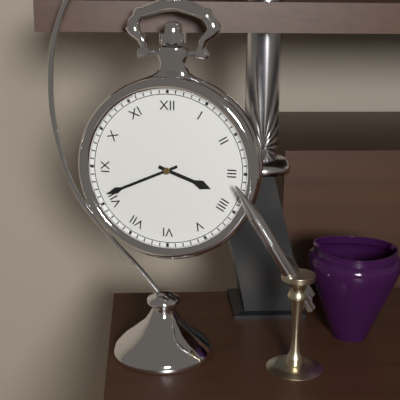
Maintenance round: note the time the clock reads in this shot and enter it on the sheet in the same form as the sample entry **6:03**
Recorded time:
**3:41**
